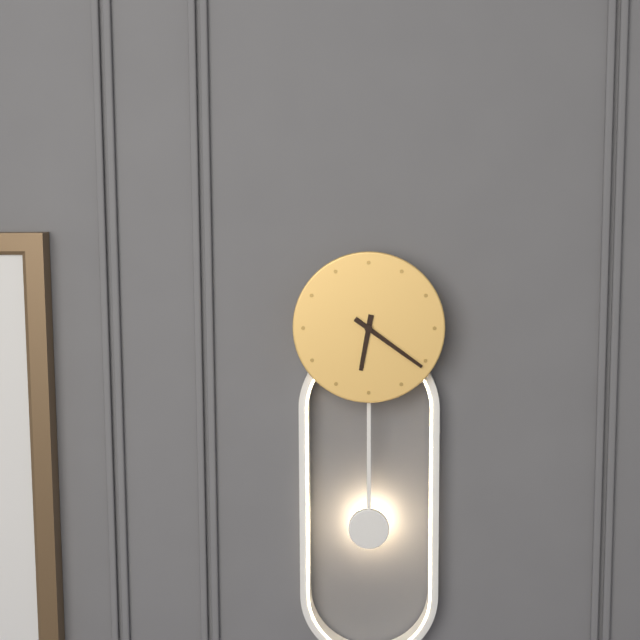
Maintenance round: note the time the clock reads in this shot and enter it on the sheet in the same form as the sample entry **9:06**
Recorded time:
**6:21**
